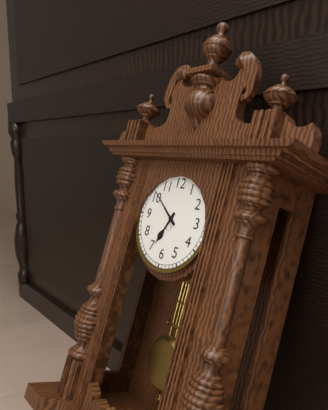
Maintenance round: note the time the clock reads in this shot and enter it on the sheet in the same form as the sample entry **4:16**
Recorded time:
**6:51**
